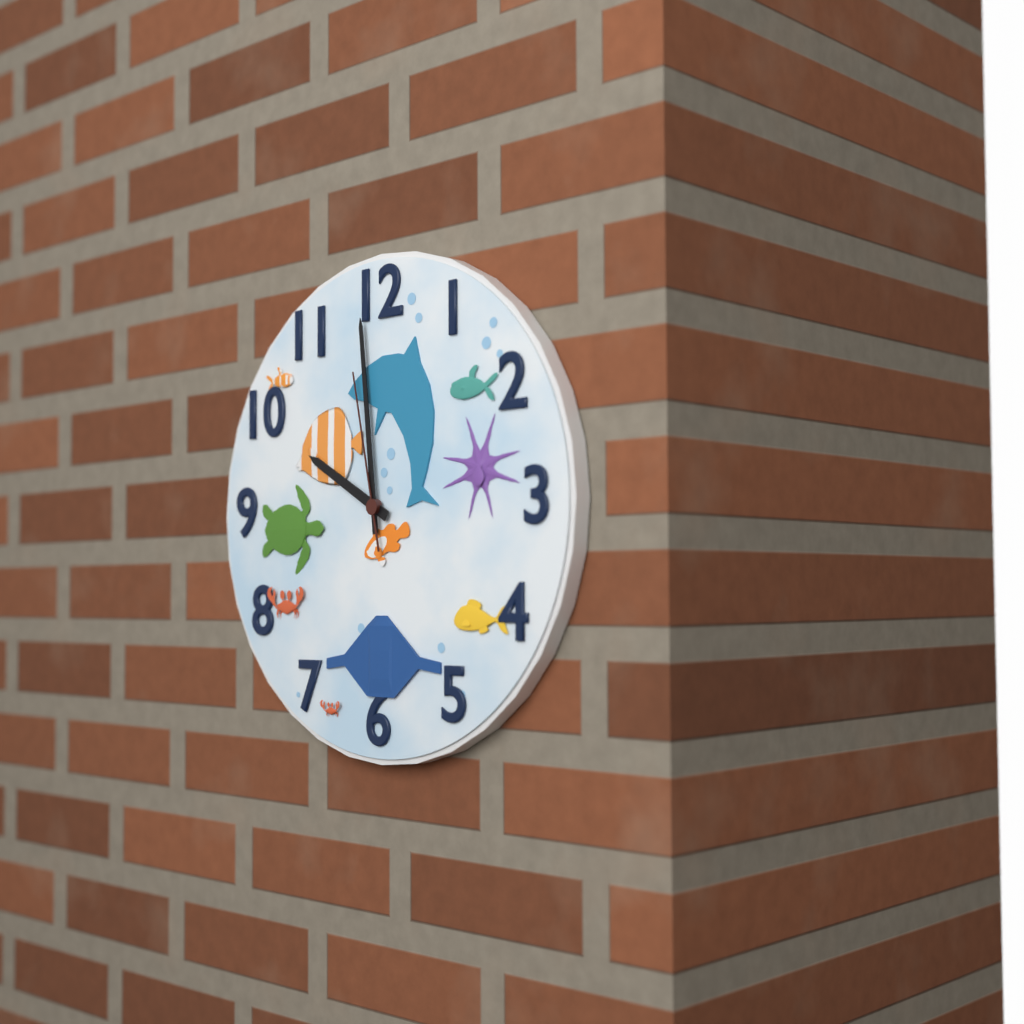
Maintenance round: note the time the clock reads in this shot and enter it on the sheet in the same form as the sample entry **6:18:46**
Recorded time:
**9:59:58**
